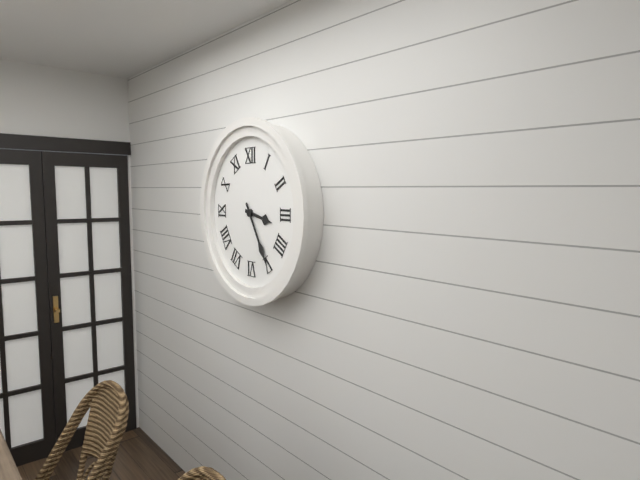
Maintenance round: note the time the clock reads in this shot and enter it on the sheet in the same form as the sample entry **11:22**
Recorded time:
**3:25**
